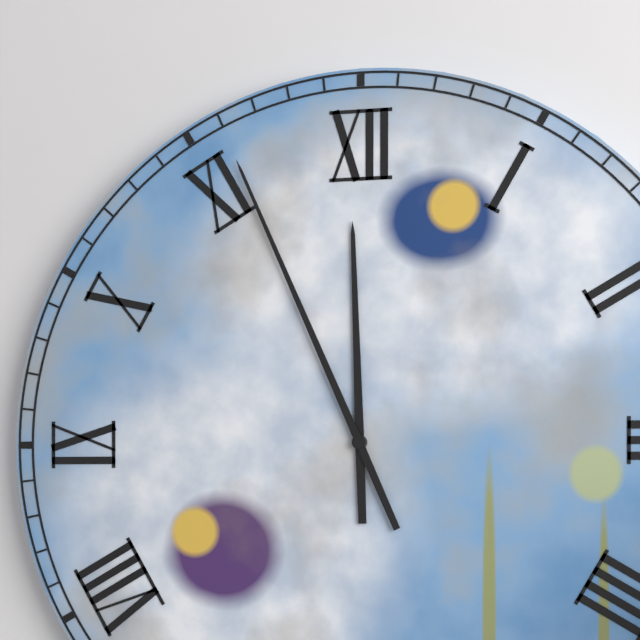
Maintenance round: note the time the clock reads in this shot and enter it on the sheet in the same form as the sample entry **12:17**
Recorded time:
**11:56**
